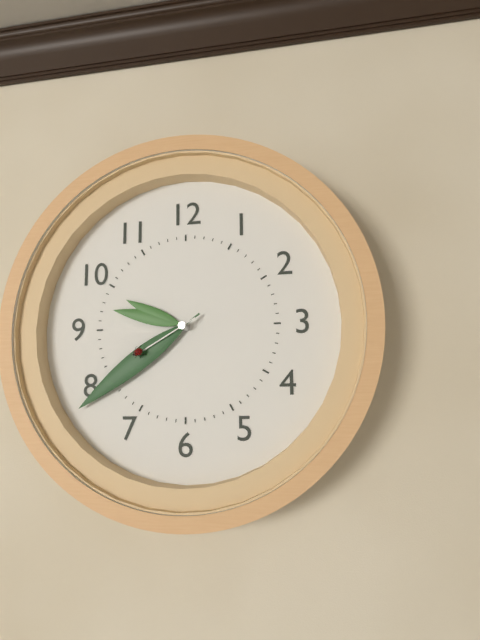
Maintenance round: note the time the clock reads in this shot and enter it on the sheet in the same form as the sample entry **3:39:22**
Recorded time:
**9:39:40**
